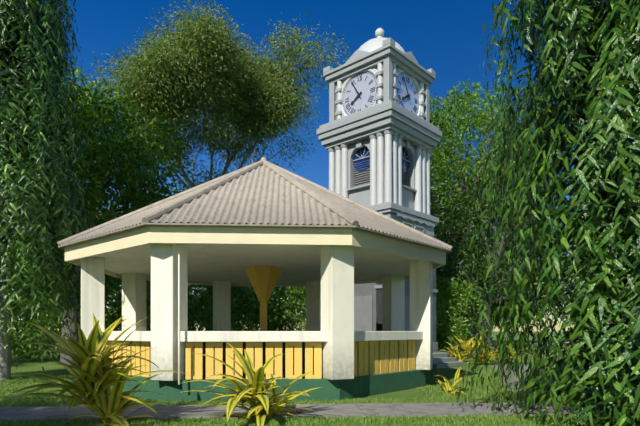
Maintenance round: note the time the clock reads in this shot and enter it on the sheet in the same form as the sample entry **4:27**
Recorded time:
**7:55**
